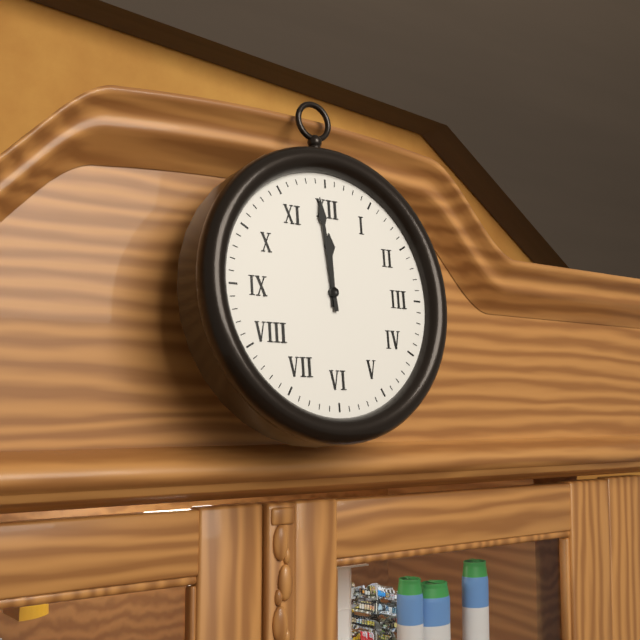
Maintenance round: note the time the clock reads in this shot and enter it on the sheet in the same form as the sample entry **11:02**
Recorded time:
**11:59**
